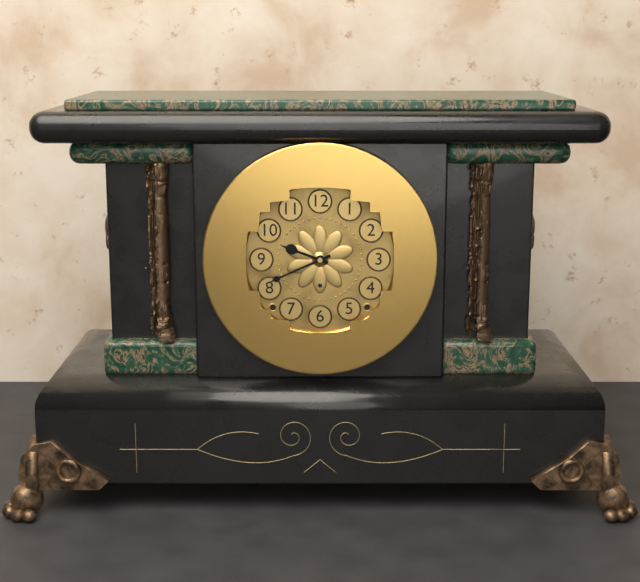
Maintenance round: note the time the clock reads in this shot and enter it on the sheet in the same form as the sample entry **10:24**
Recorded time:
**9:41**
